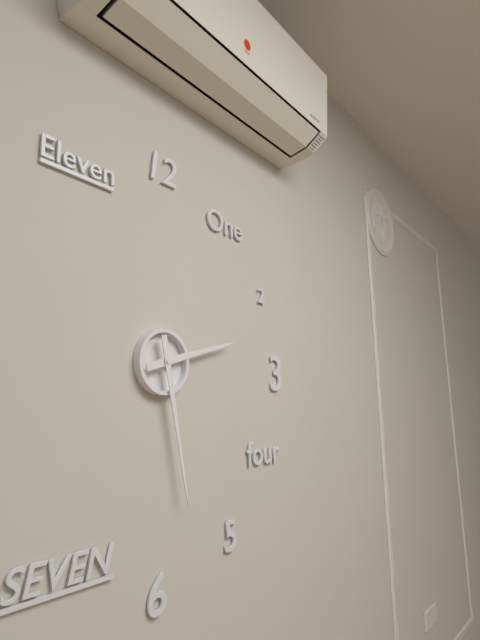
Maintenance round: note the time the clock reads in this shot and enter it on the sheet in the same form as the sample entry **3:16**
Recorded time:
**2:28**
